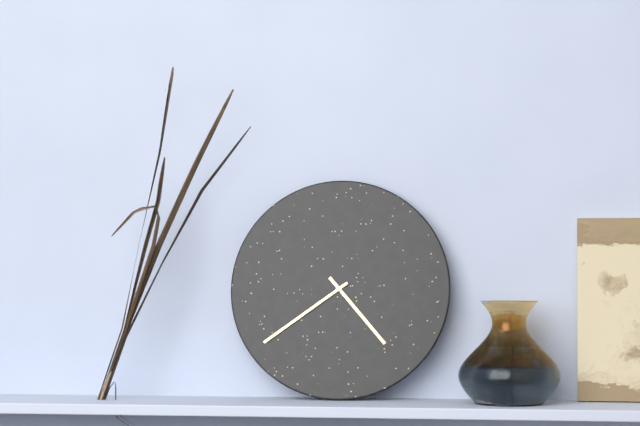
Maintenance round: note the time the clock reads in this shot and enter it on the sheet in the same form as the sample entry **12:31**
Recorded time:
**4:39**
